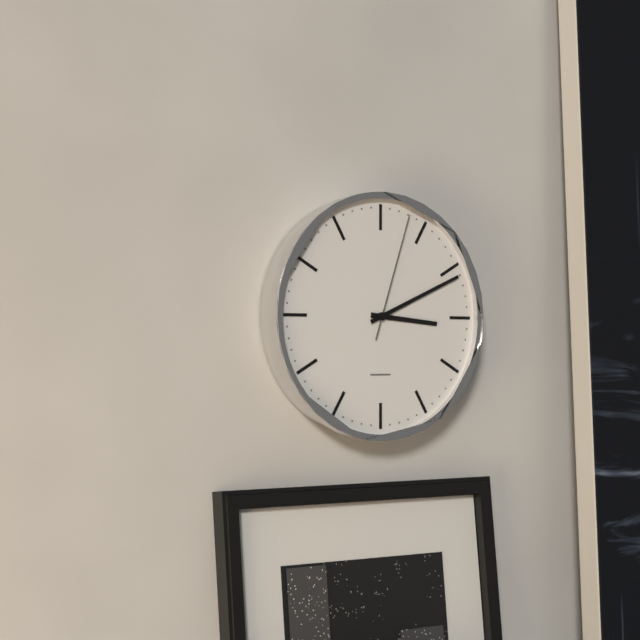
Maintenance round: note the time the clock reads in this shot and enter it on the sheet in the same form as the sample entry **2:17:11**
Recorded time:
**3:11:03**
